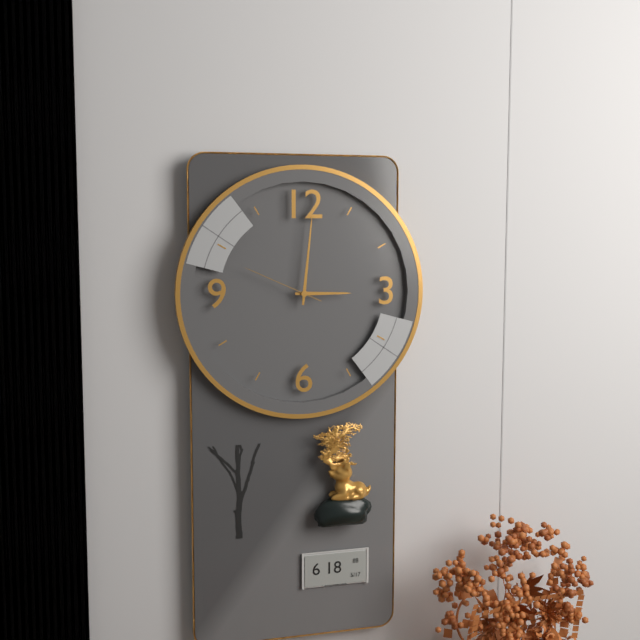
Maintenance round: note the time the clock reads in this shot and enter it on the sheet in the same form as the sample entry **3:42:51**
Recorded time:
**3:01:49**
